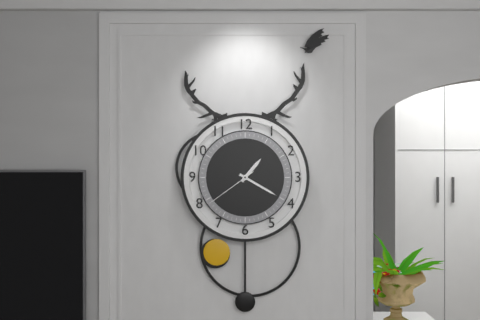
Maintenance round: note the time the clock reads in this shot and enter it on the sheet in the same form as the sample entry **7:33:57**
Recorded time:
**1:20:39**
